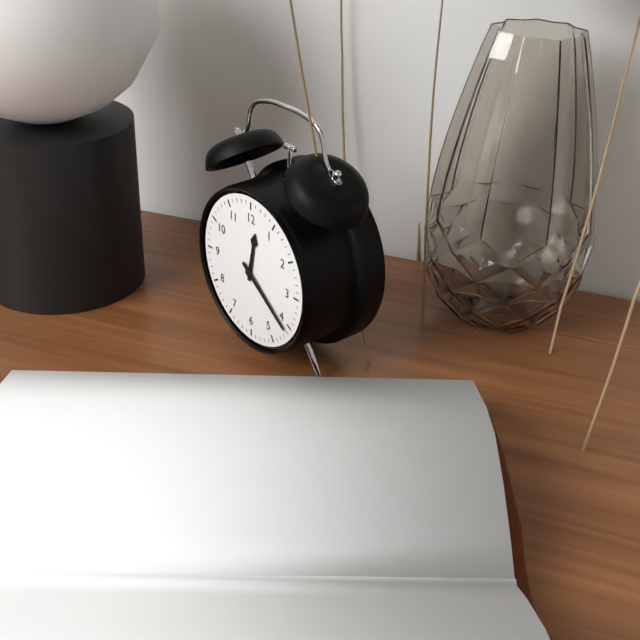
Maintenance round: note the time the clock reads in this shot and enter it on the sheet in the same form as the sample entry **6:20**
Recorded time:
**12:21**
